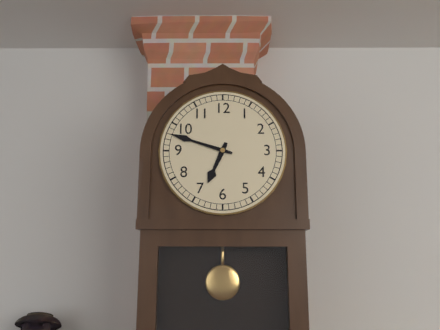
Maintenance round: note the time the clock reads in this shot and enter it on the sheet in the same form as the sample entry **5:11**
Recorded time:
**6:48**
